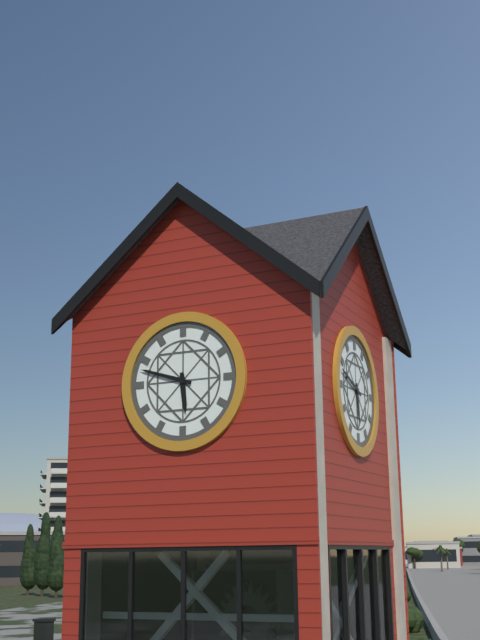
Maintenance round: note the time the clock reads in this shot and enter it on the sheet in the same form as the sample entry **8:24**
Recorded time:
**5:48**
